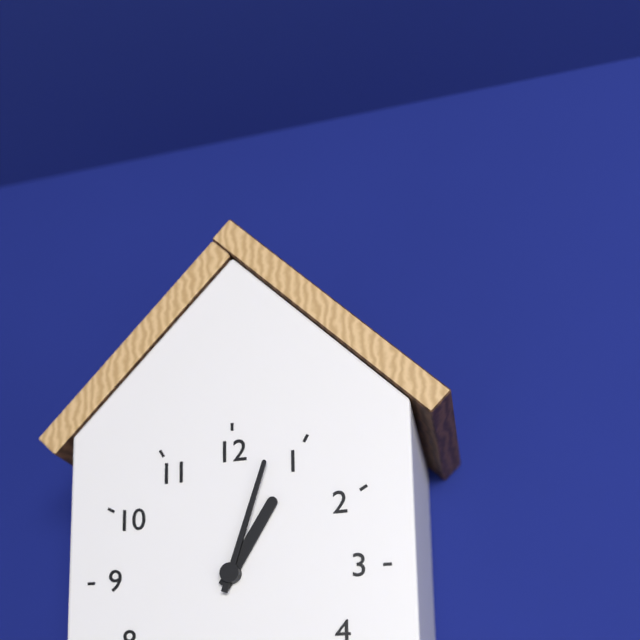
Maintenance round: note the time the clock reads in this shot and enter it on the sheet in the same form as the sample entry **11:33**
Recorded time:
**1:03**
